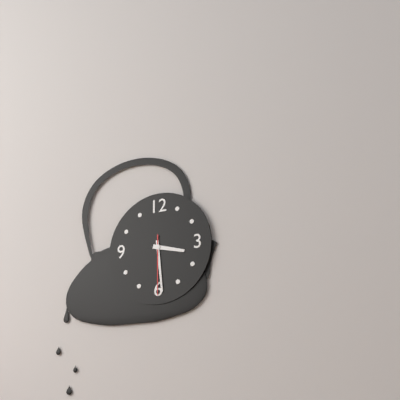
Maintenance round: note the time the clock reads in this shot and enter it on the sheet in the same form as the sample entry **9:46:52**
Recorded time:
**3:29:30**
